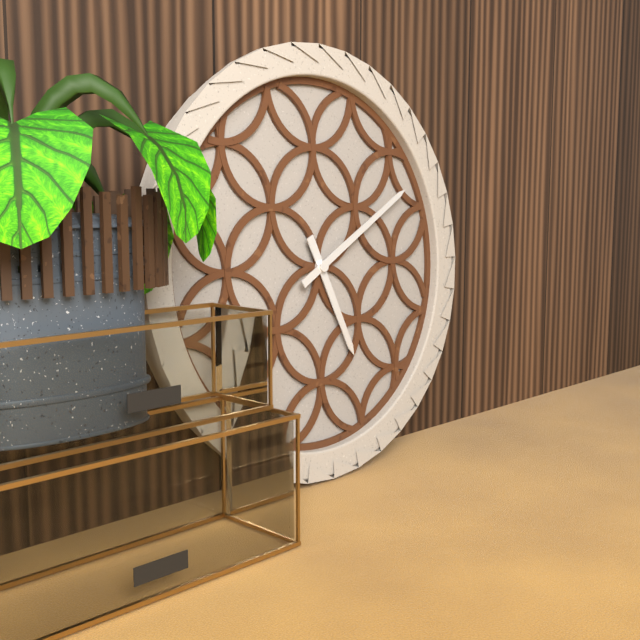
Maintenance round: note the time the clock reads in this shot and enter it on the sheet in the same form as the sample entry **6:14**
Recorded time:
**5:10**
